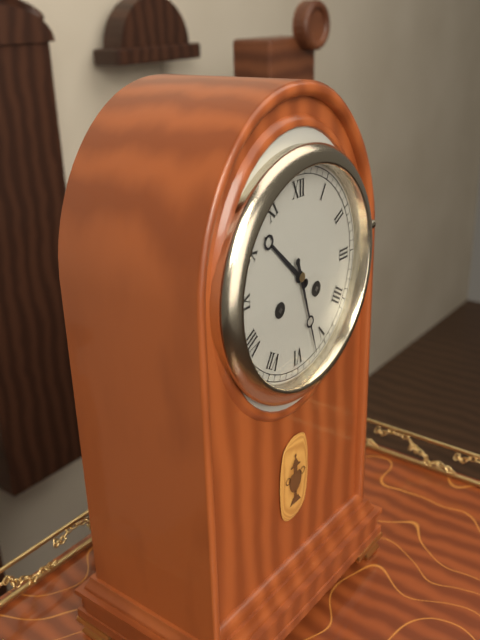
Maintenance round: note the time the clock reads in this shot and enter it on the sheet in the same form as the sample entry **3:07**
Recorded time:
**10:27**
